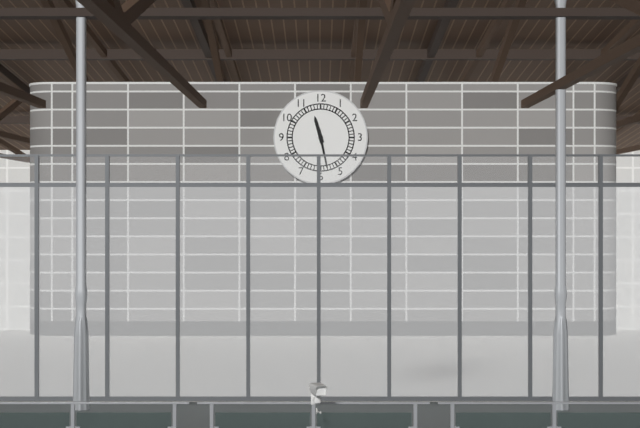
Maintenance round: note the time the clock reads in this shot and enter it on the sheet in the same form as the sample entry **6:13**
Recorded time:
**11:28**
